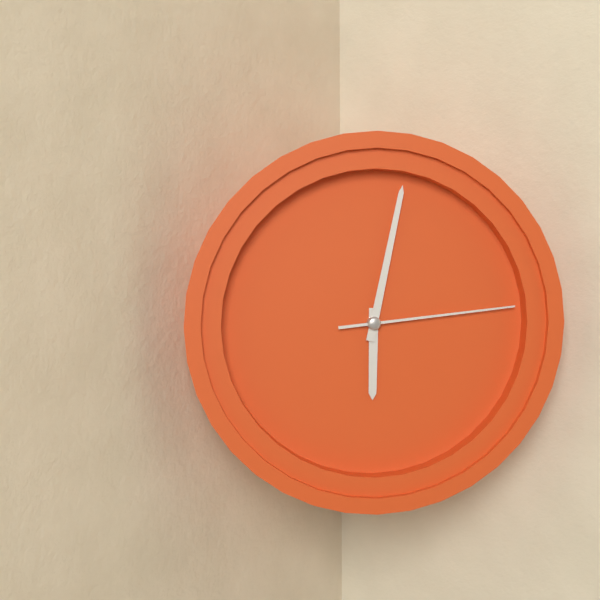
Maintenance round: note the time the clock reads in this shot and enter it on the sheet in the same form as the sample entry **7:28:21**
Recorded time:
**6:02:14**
